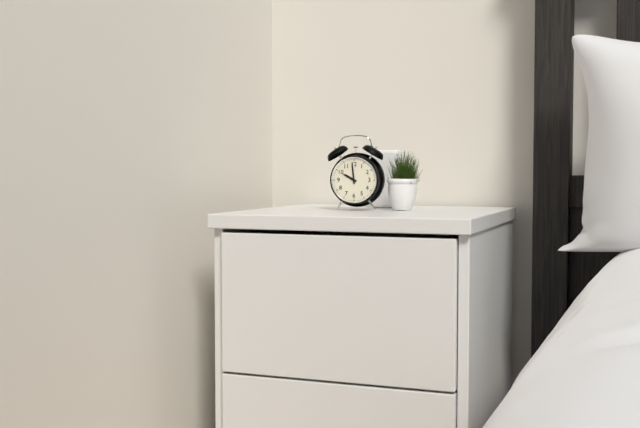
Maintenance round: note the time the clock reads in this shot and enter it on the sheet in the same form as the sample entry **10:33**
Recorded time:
**9:59**
